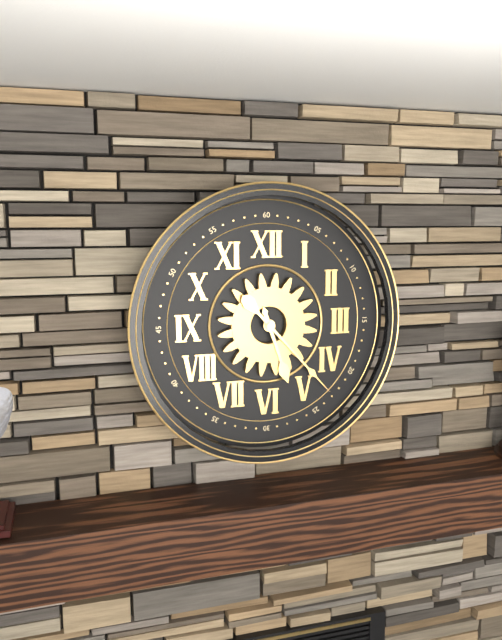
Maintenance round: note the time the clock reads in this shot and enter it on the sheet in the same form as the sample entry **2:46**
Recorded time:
**5:23**
